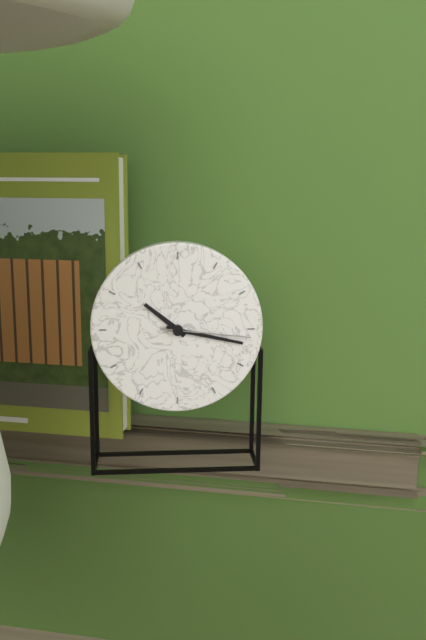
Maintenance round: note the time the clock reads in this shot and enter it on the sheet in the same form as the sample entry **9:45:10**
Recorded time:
**10:17:16**
